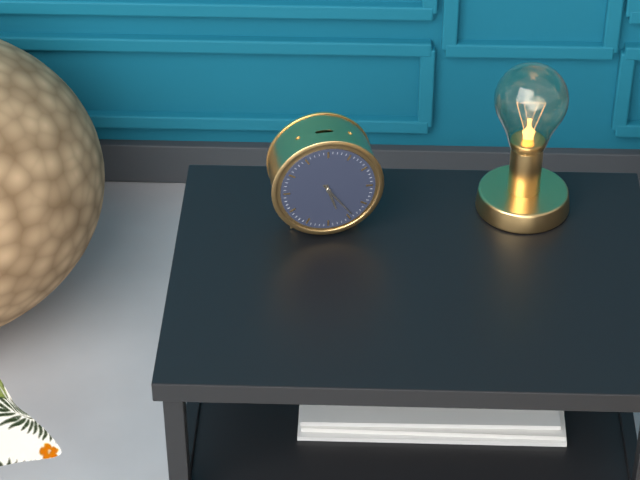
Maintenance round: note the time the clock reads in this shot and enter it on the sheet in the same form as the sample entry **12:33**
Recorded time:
**5:24**
